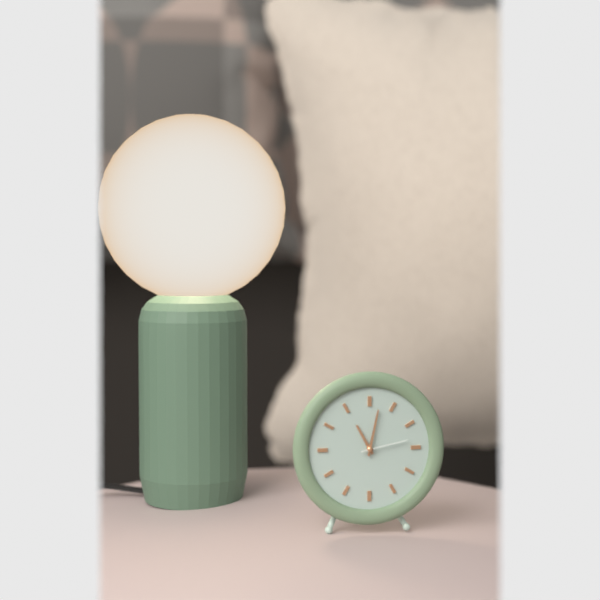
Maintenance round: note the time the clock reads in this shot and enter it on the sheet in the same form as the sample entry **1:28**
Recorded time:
**11:02**
